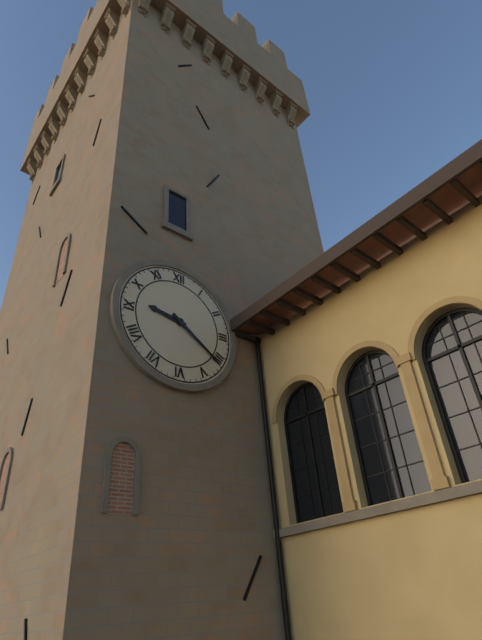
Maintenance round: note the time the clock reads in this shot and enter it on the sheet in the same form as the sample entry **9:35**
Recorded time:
**9:21**
